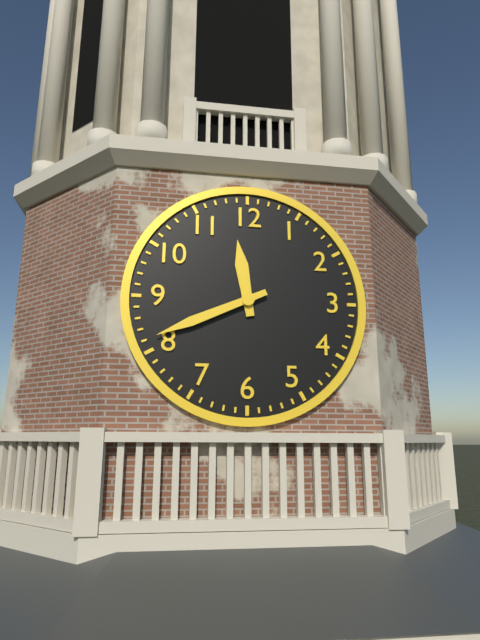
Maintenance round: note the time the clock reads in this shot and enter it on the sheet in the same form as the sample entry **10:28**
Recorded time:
**11:41**
